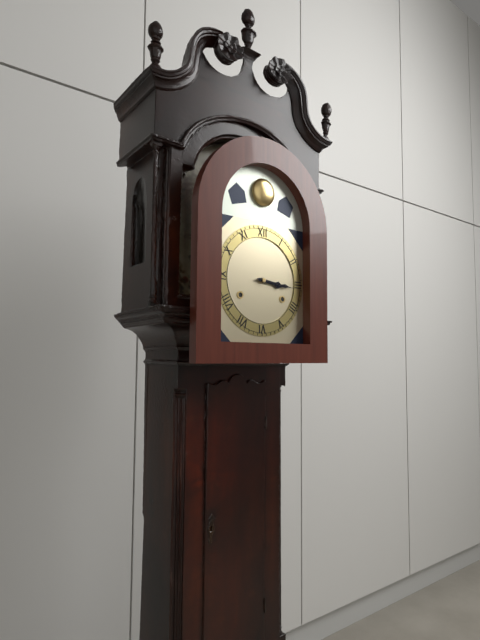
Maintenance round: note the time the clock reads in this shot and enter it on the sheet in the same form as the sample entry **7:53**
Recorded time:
**3:16**
